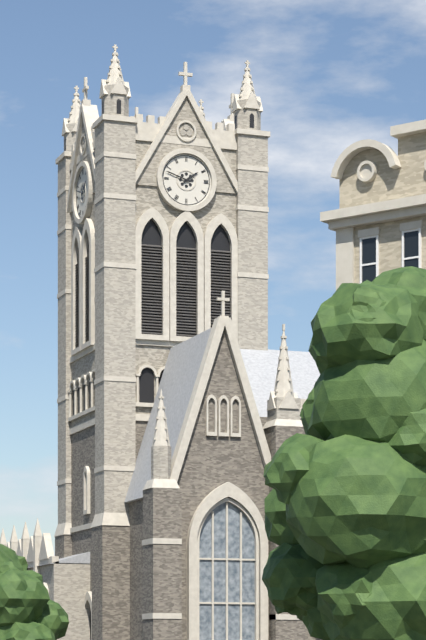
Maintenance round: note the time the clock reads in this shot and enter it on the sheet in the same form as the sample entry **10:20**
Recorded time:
**1:48**
